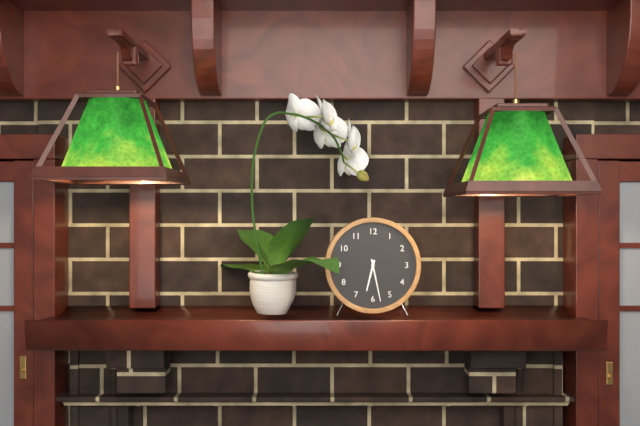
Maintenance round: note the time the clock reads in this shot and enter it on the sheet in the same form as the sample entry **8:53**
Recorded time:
**6:28**
